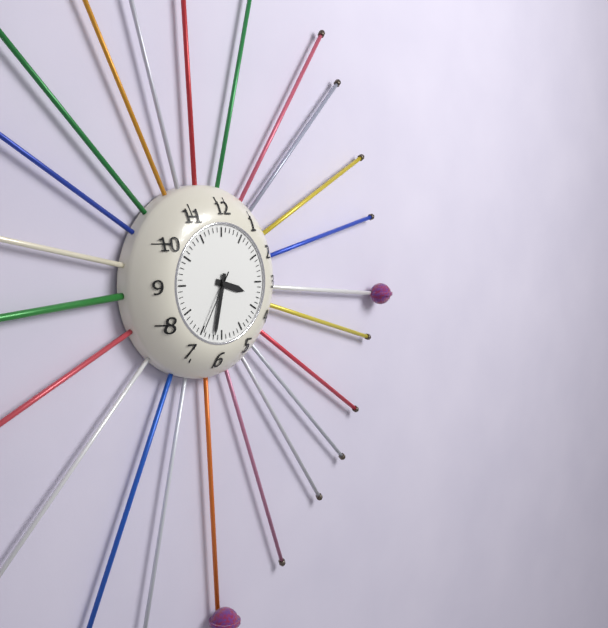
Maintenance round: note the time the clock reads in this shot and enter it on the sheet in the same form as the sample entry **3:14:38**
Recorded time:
**3:32:35**
